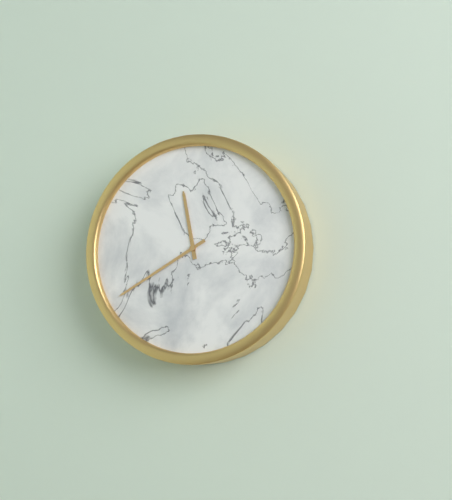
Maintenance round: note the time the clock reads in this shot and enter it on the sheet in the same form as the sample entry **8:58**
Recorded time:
**11:40**
